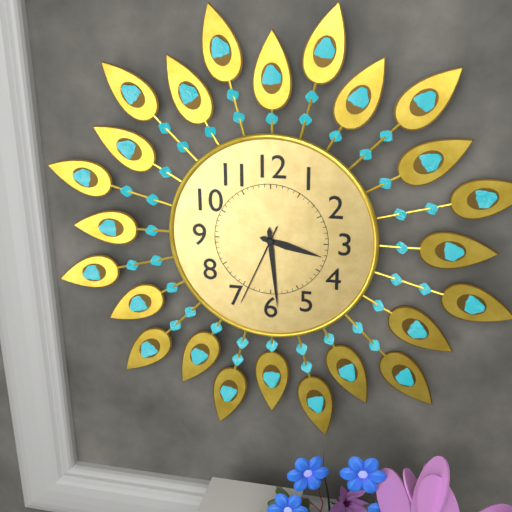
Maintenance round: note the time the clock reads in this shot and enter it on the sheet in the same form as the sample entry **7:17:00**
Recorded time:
**3:29:34**
